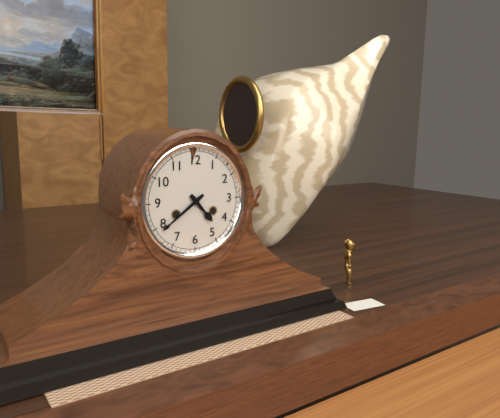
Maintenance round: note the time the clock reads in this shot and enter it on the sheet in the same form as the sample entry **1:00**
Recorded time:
**4:39**
